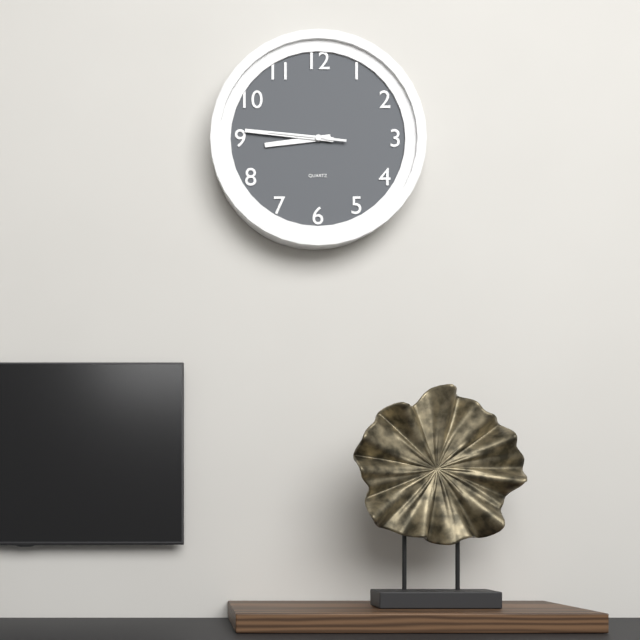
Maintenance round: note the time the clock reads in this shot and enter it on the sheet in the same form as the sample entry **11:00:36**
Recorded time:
**8:46:46**
